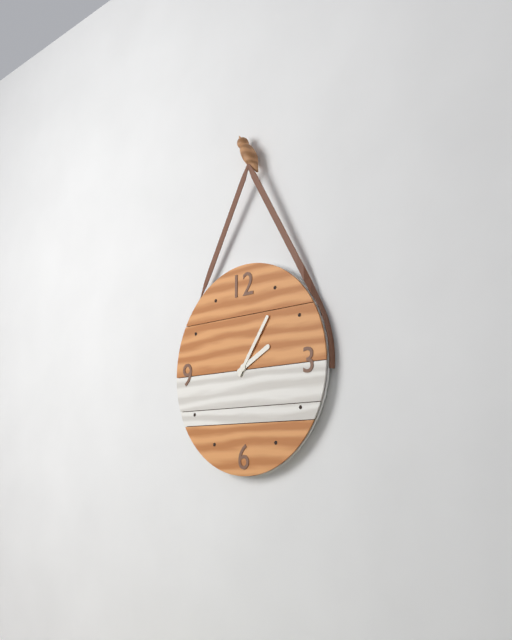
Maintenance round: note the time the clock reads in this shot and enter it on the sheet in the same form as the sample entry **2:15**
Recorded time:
**2:06**
